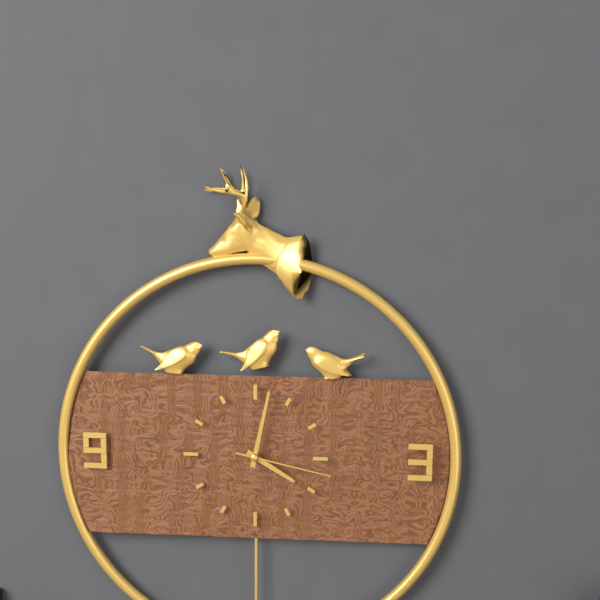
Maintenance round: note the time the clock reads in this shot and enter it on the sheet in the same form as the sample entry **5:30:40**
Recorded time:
**4:02:17**
